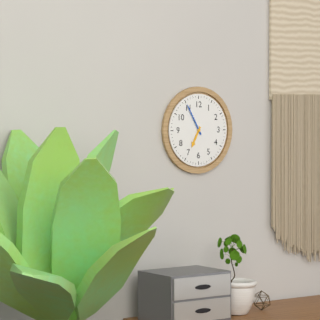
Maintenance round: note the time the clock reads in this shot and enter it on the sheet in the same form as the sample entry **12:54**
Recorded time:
**6:55**
